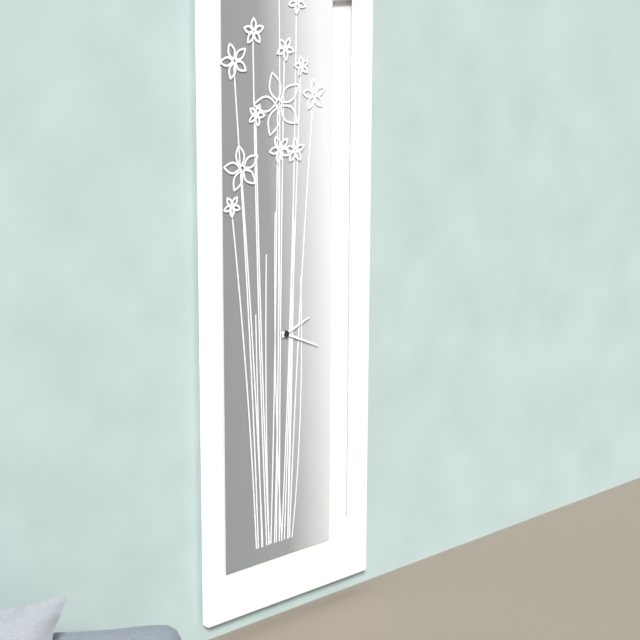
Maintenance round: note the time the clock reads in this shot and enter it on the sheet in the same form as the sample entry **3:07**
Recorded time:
**2:19**
